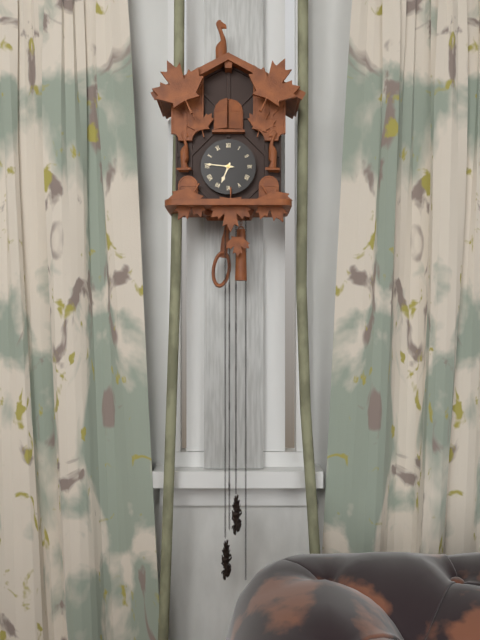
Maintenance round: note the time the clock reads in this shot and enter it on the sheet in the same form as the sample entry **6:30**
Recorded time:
**6:46**
